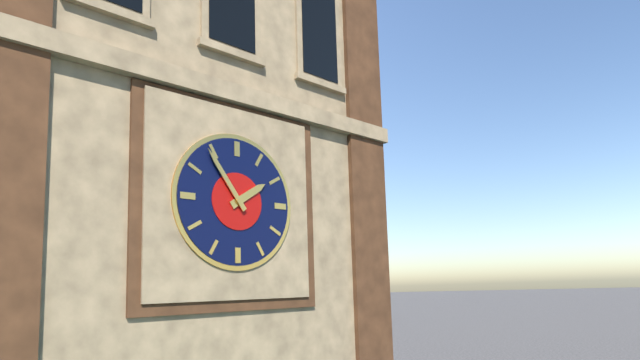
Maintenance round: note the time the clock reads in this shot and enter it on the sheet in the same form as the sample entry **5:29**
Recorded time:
**1:54**
